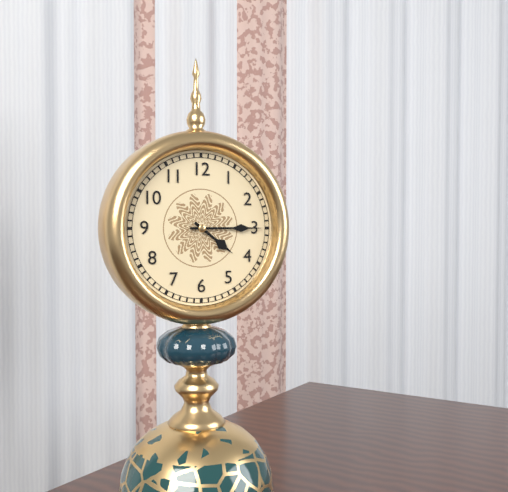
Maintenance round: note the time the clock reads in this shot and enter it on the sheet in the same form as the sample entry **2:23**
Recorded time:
**4:15**
